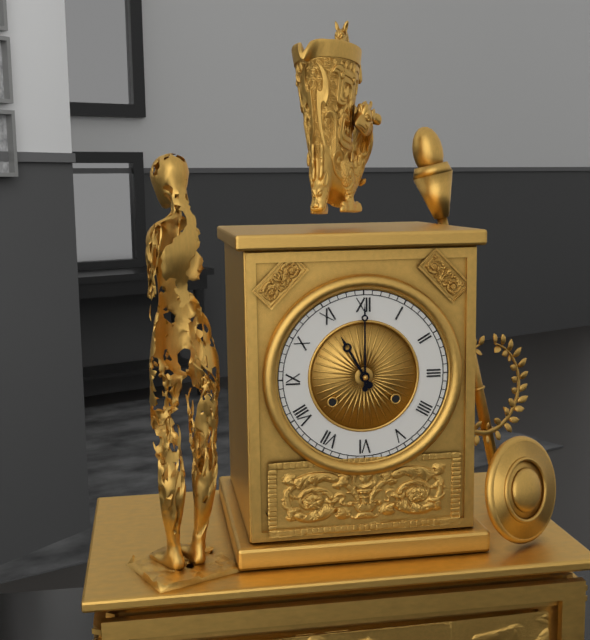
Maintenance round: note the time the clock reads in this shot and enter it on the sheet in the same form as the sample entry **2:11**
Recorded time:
**11:00**
